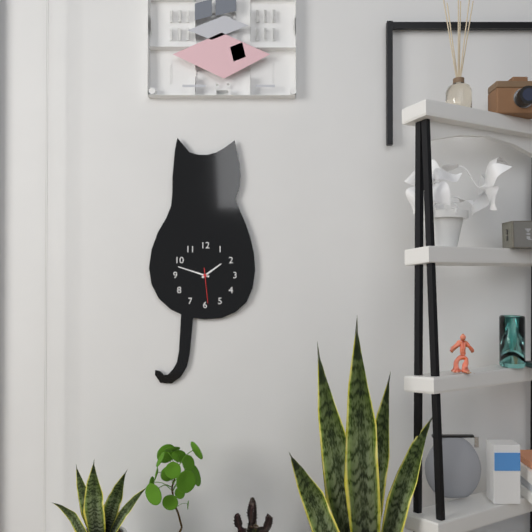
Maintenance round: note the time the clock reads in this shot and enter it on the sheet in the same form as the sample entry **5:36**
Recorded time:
**1:48**
